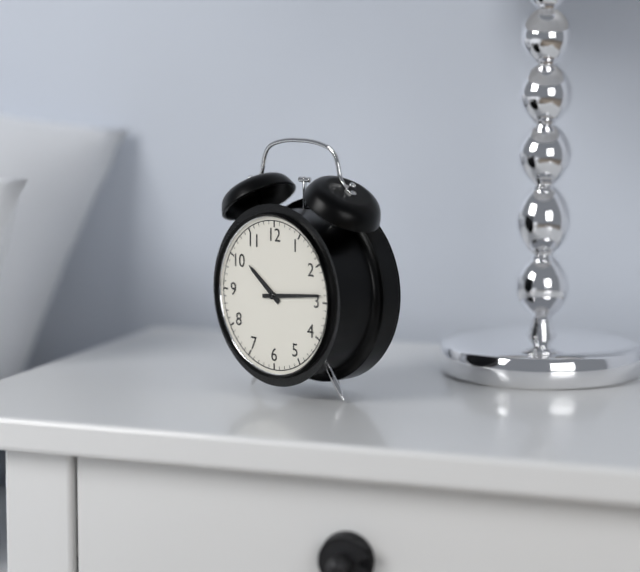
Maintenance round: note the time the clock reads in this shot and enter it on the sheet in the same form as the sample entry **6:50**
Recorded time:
**10:14**
